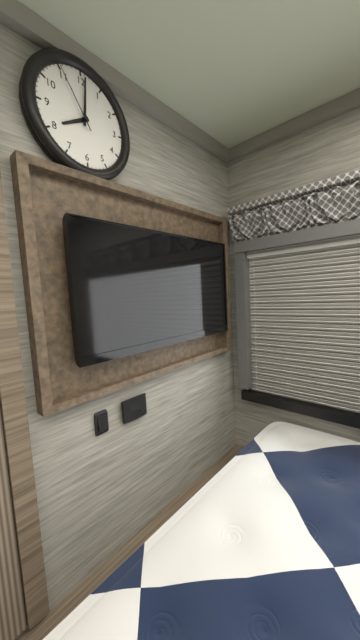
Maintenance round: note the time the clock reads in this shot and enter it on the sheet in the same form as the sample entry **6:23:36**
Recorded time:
**8:01:55**
